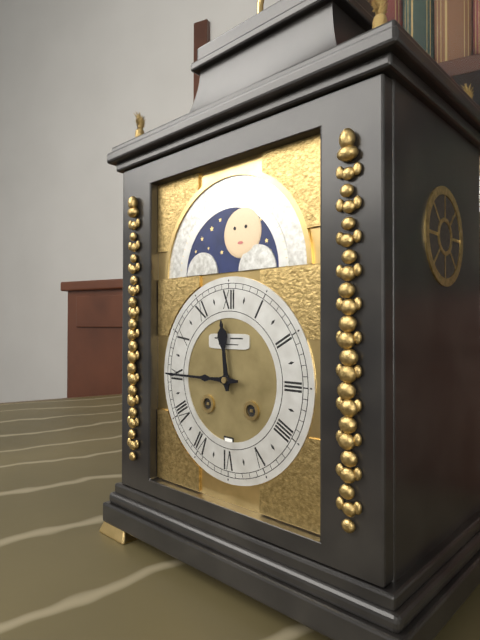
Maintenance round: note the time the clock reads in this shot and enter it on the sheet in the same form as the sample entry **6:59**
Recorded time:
**11:45**
